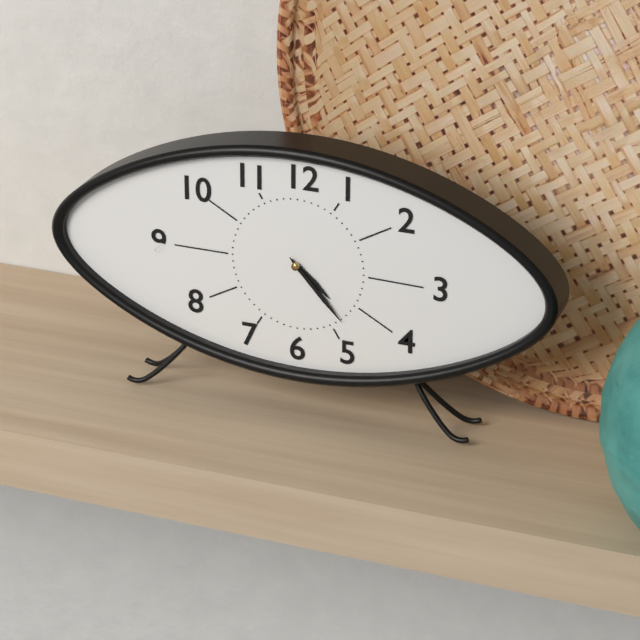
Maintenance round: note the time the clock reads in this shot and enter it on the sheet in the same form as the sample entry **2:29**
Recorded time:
**4:23**
